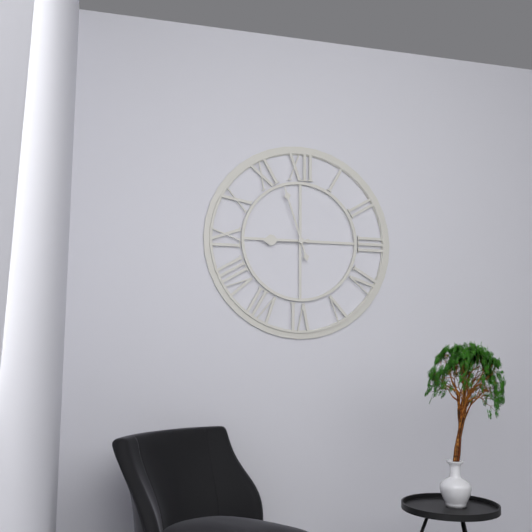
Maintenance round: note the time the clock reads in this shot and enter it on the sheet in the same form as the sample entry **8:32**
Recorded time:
**8:57**
